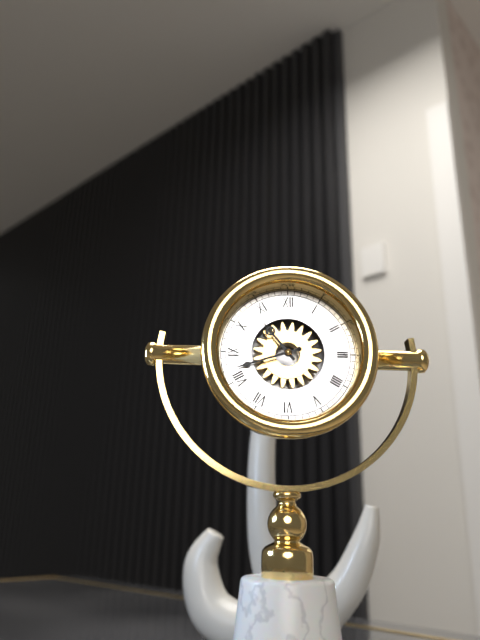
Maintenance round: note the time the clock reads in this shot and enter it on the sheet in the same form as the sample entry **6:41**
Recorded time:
**10:42**
